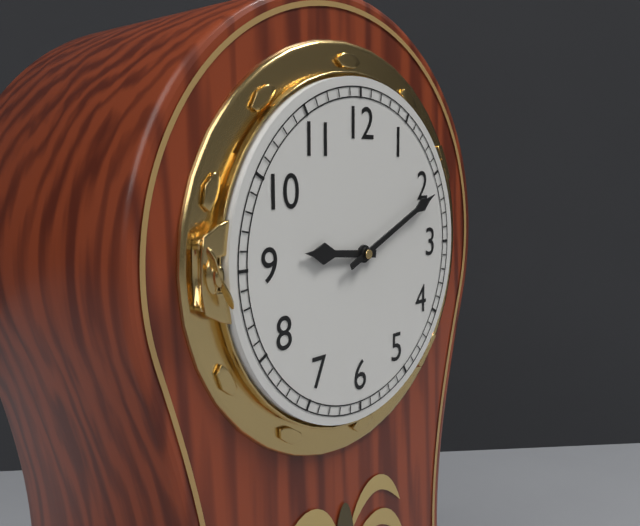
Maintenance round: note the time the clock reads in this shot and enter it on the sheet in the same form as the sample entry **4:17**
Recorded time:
**9:11**
